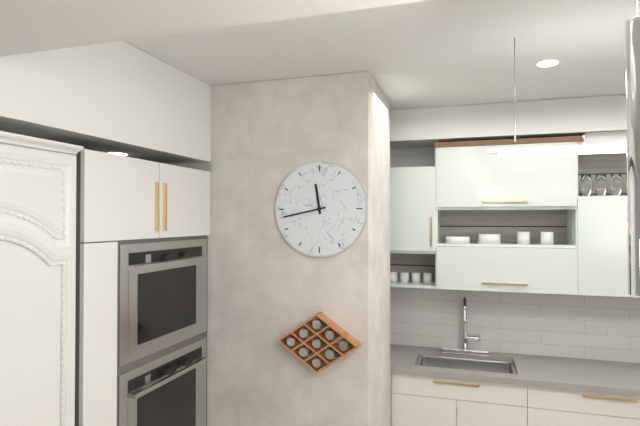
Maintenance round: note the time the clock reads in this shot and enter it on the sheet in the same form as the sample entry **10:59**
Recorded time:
**11:43**
